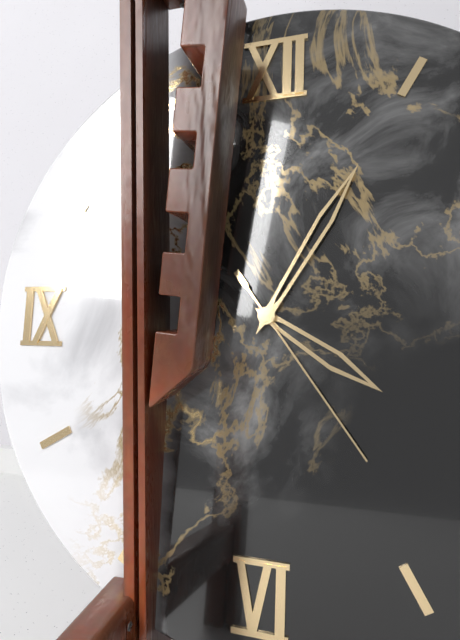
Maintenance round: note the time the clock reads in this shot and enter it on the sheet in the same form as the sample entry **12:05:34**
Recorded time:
**4:05:24**
